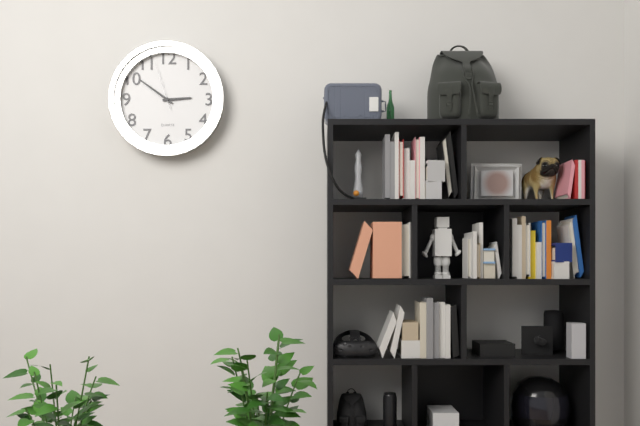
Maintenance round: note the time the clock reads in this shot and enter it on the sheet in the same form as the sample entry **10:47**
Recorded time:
**2:51**
